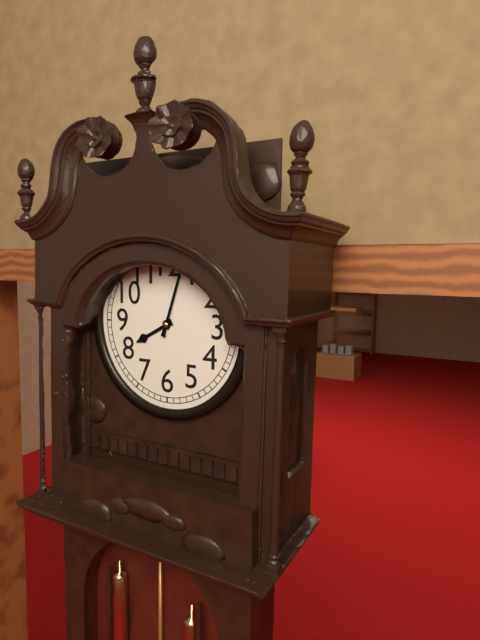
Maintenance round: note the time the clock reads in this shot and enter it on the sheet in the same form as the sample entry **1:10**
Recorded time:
**8:03**
